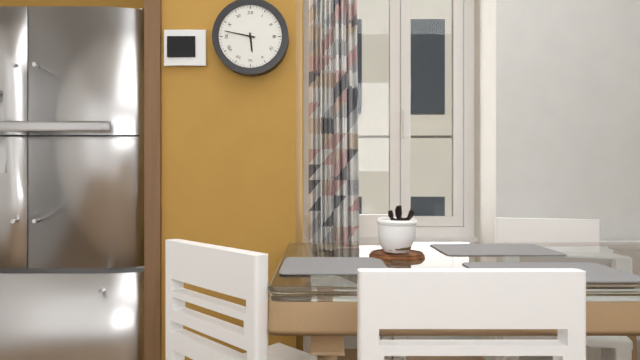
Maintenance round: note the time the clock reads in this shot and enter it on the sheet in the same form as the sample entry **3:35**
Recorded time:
**5:47**
